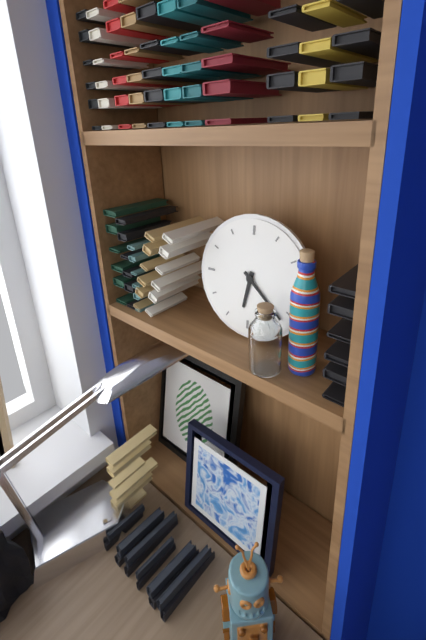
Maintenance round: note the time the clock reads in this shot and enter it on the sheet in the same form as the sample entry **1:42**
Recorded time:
**6:22**
